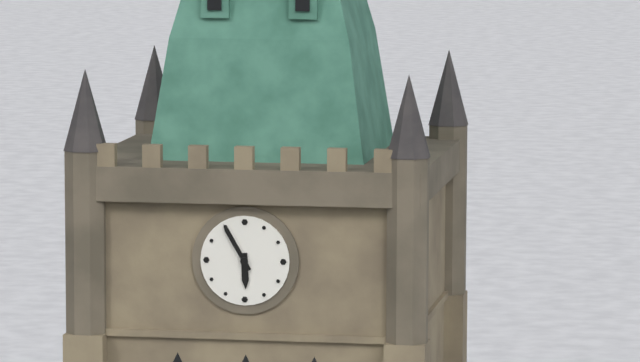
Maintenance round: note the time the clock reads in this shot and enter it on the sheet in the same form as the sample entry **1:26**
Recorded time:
**5:55**
